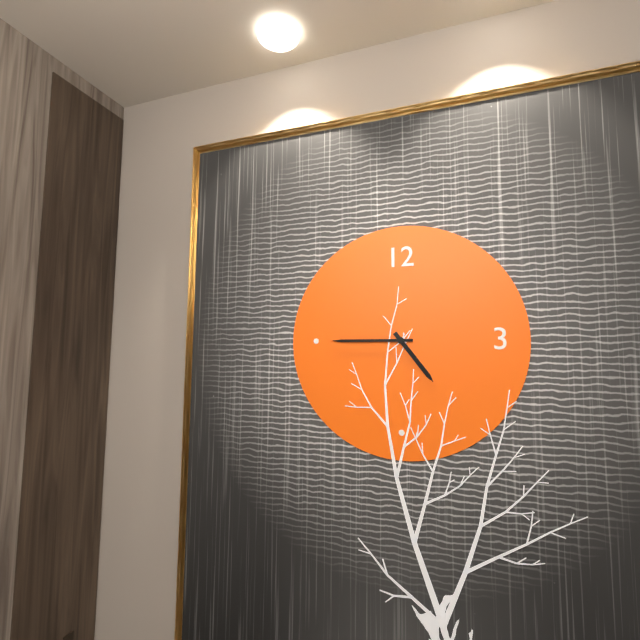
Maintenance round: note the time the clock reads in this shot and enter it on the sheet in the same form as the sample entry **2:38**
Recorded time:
**4:45**
